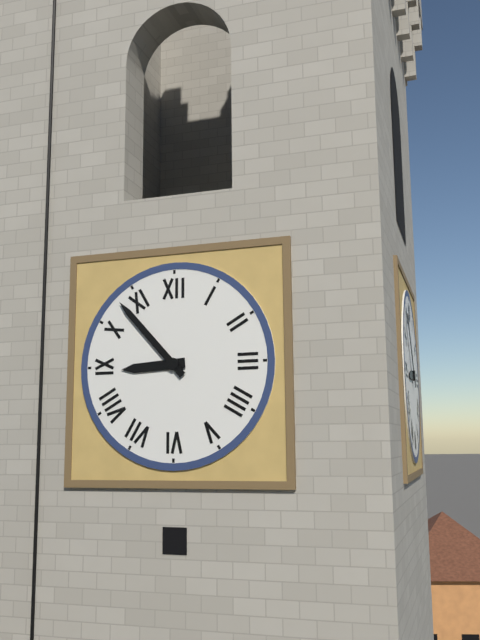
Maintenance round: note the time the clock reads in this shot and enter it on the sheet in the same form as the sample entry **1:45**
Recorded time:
**8:53**
